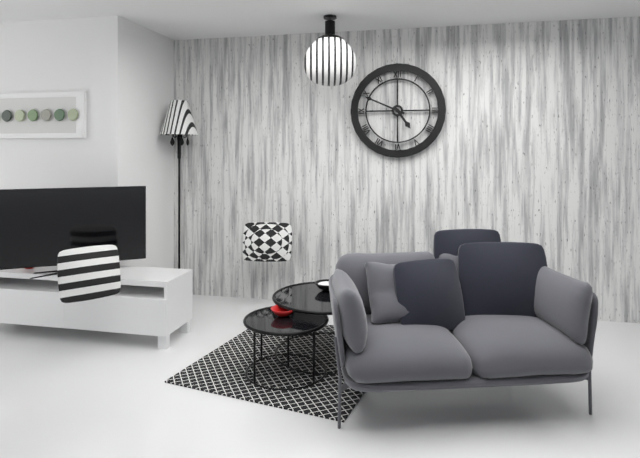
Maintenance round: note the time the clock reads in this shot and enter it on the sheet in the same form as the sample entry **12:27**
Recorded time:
**4:49**
